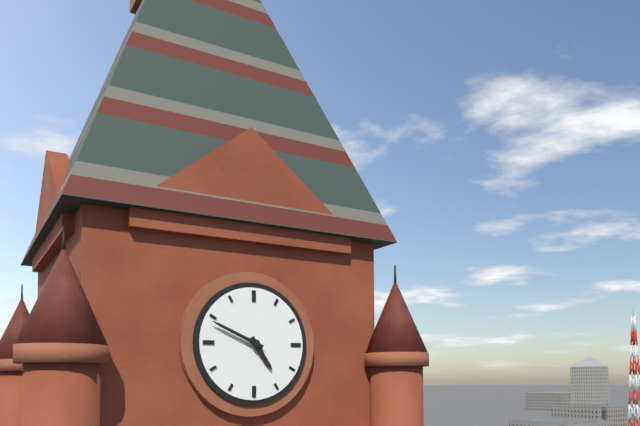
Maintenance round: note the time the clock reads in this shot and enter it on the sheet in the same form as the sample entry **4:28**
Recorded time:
**4:49**
